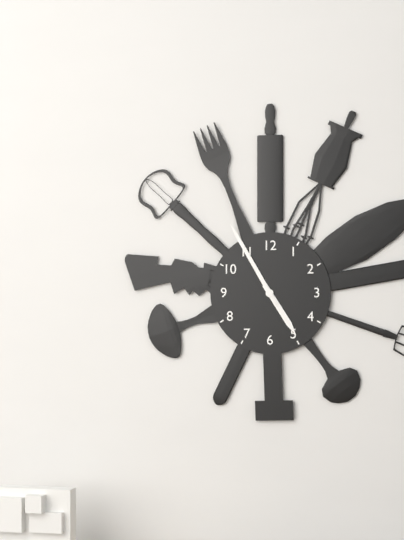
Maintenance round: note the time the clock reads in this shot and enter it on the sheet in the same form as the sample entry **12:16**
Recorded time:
**4:55**
